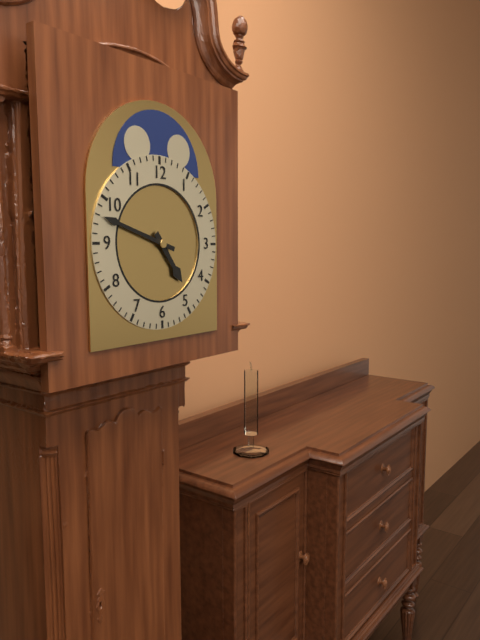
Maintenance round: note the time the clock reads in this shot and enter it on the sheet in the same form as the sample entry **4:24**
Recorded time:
**4:48**
